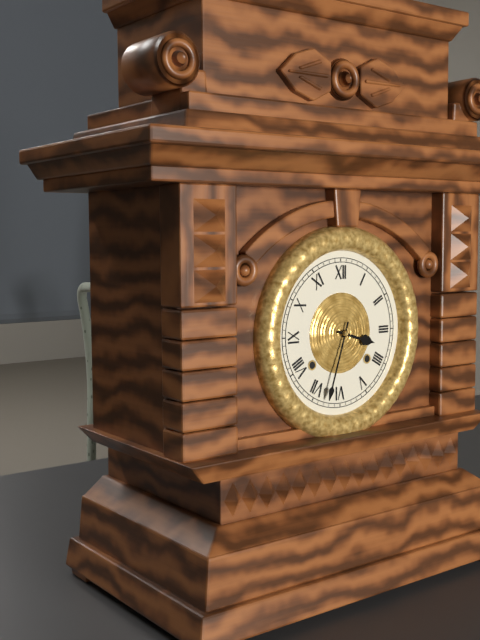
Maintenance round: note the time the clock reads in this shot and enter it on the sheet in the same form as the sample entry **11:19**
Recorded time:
**3:33**
